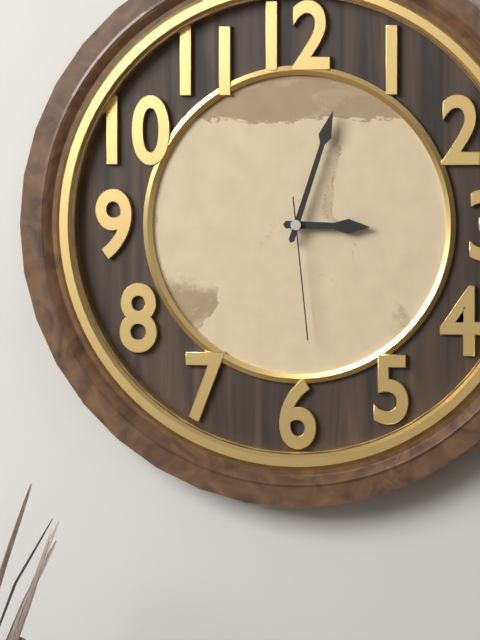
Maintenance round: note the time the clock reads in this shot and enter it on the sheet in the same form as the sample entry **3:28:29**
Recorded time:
**3:03:29**
